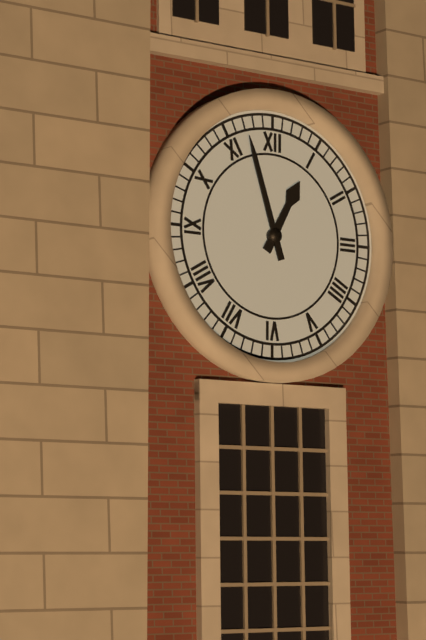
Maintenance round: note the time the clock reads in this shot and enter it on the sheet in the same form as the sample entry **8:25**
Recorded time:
**12:57**
